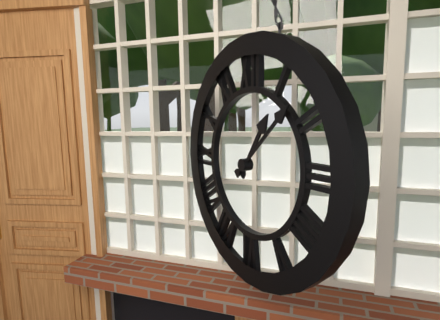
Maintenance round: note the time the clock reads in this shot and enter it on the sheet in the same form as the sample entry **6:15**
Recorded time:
**1:08**
